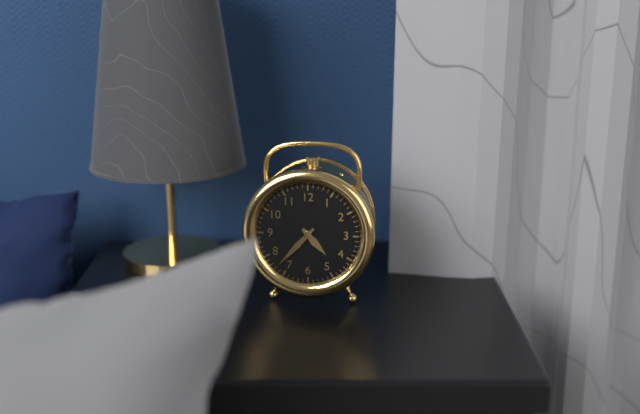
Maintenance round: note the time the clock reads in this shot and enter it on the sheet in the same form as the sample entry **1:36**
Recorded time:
**4:37**
